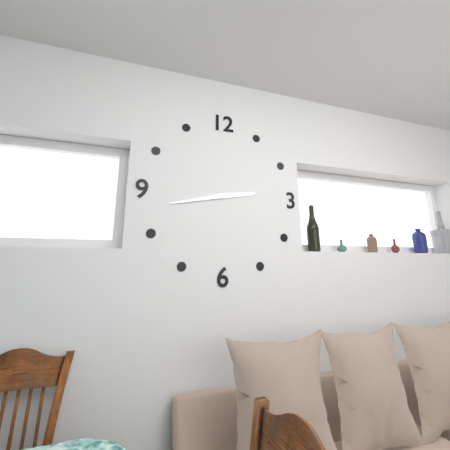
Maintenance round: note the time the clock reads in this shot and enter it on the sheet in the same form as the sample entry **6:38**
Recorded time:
**2:43**
